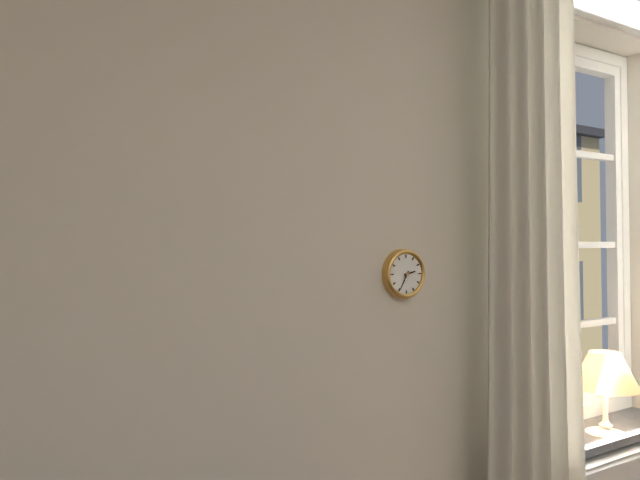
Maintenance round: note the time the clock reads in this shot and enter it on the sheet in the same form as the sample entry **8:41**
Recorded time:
**2:35**
